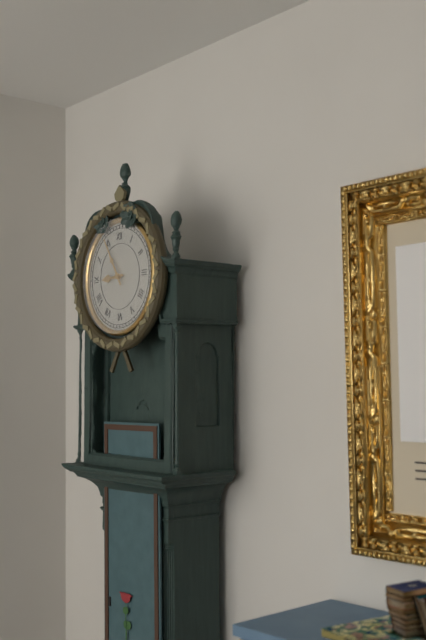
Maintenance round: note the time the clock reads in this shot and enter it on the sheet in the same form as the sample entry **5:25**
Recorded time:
**8:55**
